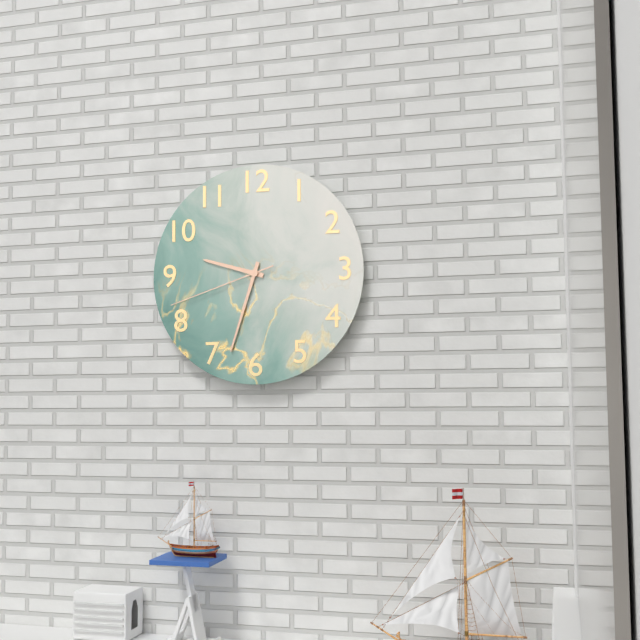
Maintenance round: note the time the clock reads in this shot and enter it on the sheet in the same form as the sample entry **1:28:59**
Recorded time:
**9:33:42**
